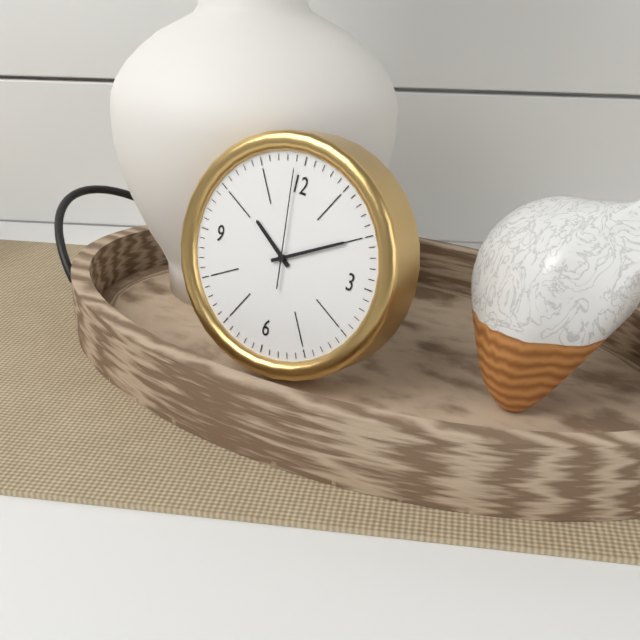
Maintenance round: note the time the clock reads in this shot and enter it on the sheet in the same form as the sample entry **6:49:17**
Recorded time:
**10:10:59**
